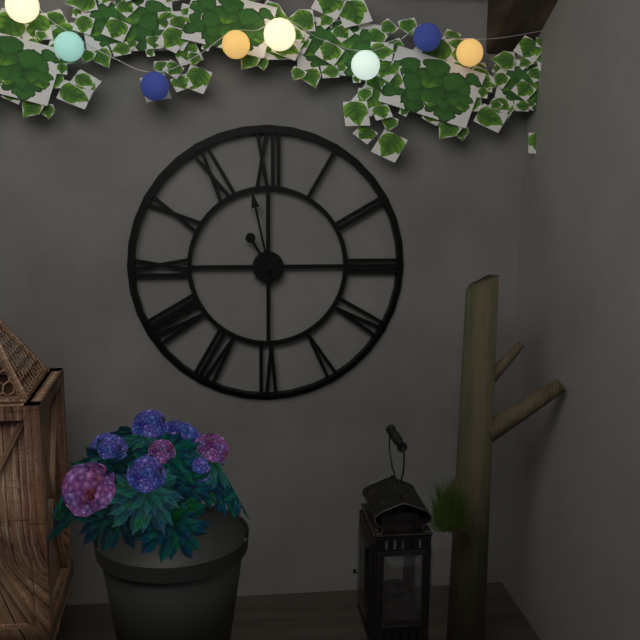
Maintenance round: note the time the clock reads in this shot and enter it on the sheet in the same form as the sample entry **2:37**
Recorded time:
**10:58**
